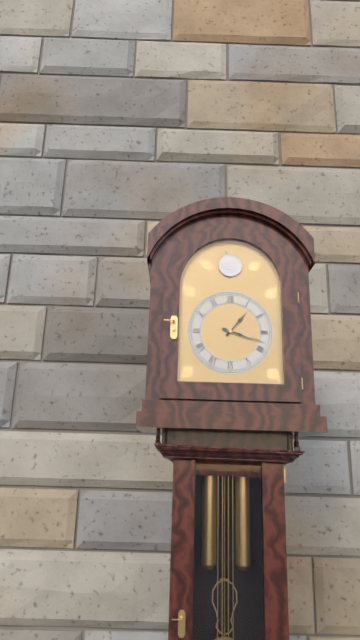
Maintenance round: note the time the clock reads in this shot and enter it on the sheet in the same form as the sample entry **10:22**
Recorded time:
**1:18**
